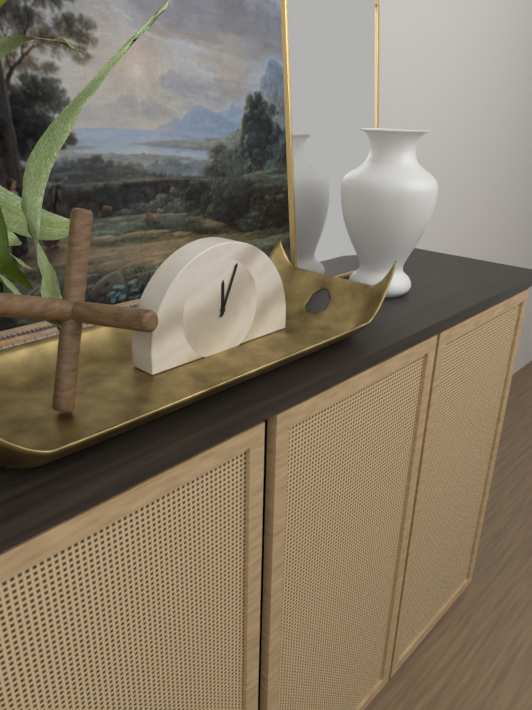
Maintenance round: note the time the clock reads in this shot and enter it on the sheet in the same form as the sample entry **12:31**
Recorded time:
**12:04**
